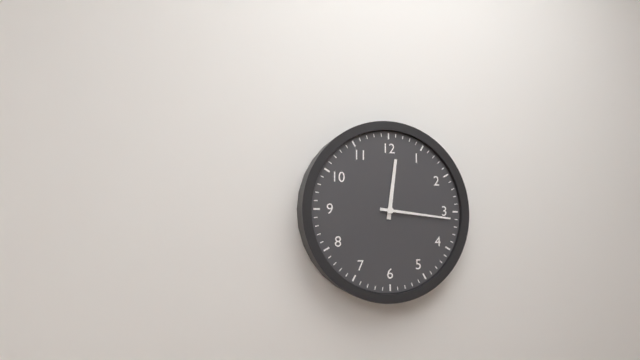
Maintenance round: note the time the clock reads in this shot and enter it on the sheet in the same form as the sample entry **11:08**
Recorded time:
**12:16**
